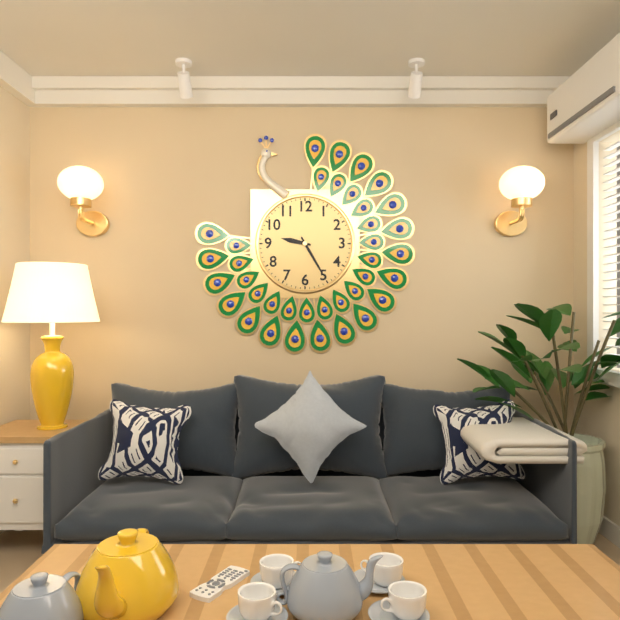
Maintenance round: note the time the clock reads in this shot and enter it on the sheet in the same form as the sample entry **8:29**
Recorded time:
**9:25**
